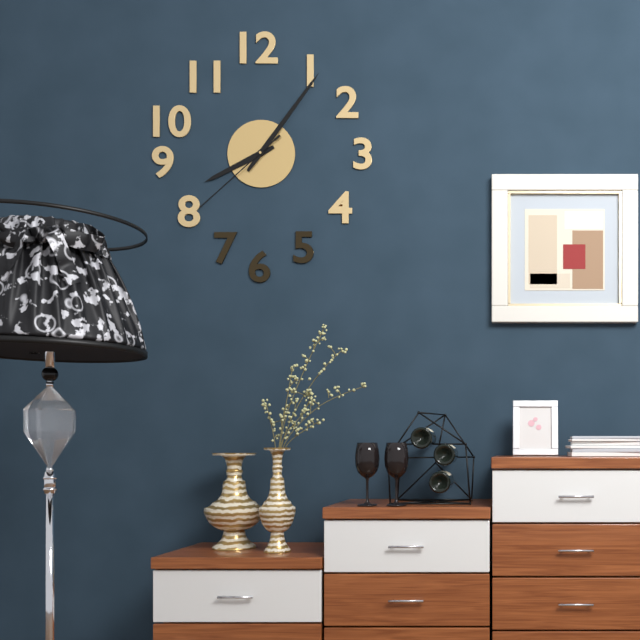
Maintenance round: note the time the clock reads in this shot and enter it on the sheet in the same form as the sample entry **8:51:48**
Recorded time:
**8:06:38**
